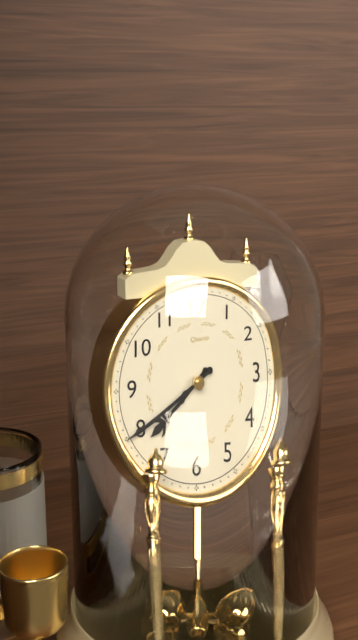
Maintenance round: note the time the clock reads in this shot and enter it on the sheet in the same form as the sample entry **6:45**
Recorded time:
**7:40**
